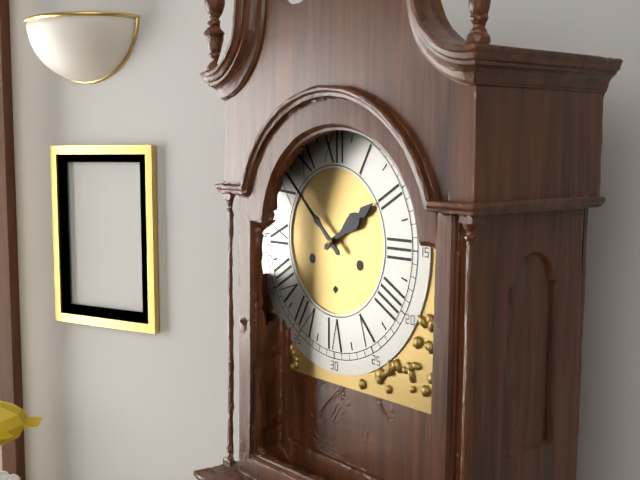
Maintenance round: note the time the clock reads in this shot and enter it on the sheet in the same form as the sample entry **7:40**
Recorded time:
**1:52**
